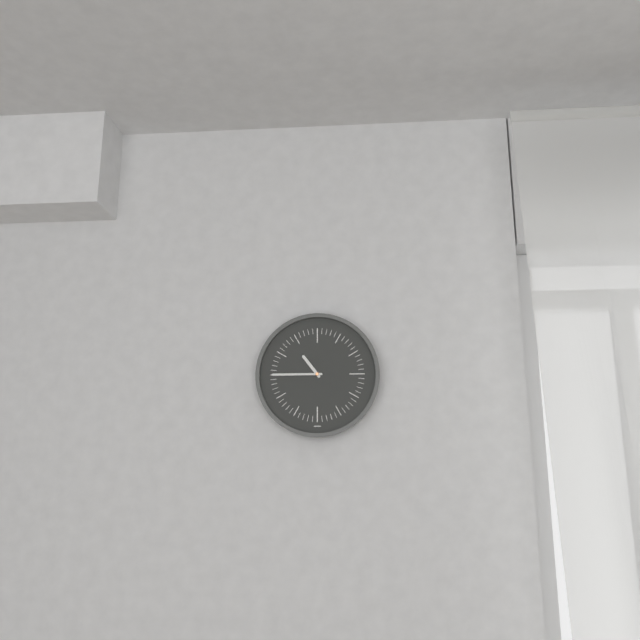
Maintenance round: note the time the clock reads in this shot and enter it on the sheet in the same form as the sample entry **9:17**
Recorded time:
**10:45**
